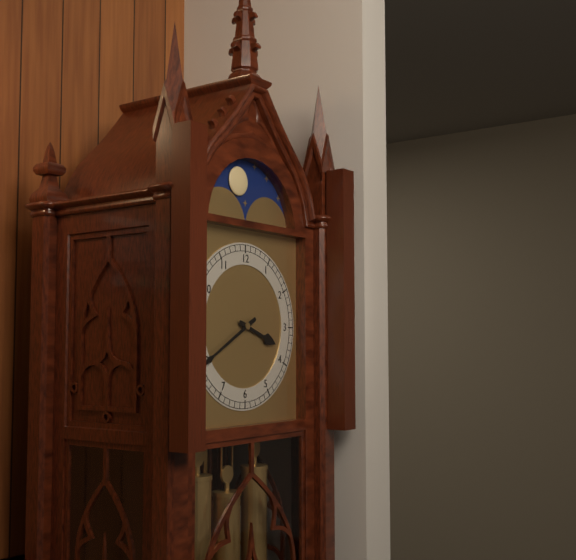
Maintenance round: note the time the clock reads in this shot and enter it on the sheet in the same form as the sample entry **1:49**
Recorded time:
**3:40**
